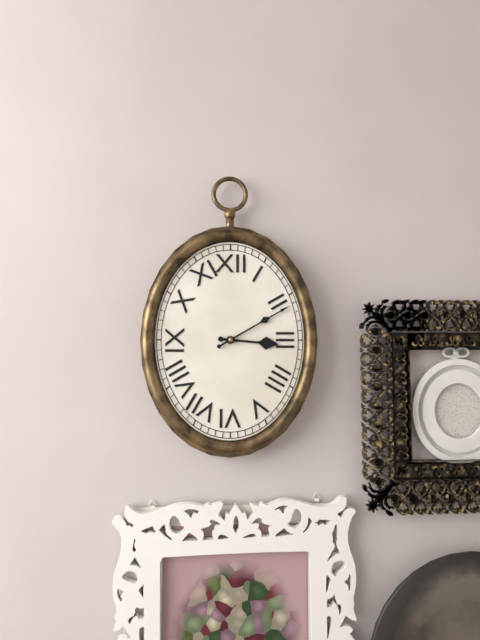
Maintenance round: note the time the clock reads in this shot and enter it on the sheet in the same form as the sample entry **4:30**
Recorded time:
**3:10**
